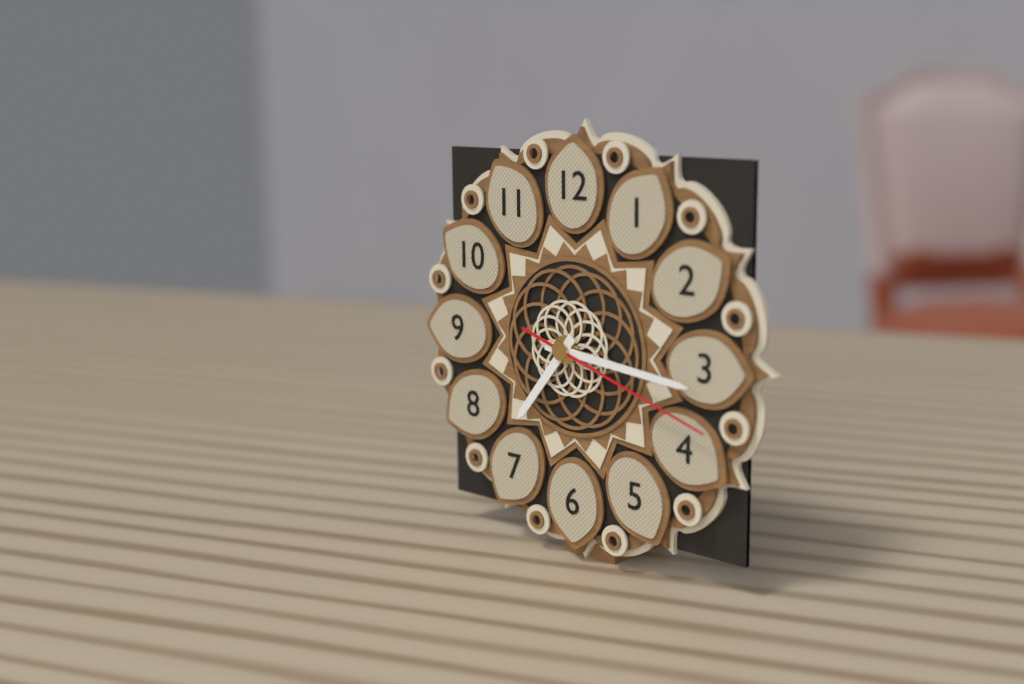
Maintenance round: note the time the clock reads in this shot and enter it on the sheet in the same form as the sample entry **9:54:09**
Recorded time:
**7:16:18**
